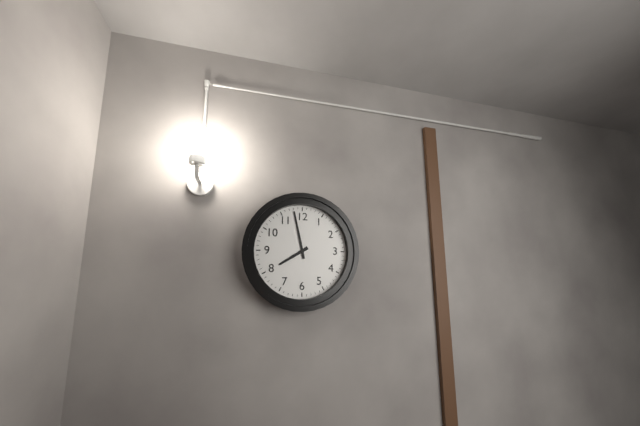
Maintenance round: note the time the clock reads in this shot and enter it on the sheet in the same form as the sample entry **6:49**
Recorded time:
**7:58**
